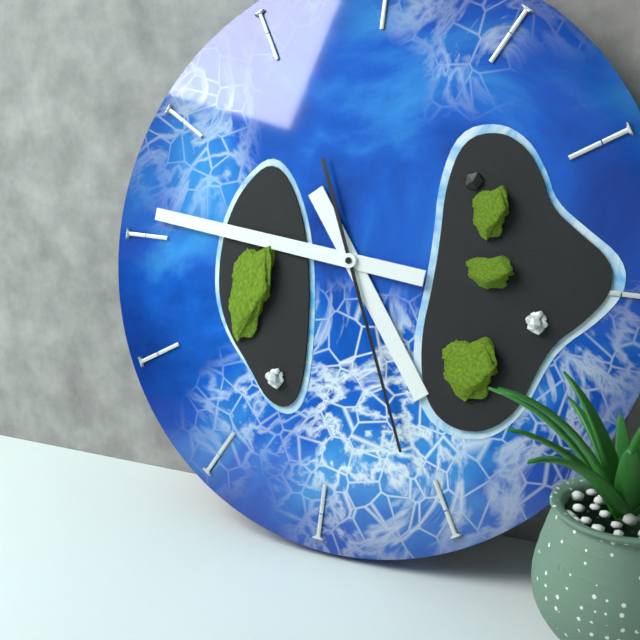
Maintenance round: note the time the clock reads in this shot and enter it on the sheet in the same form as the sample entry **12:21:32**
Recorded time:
**4:46:26**
